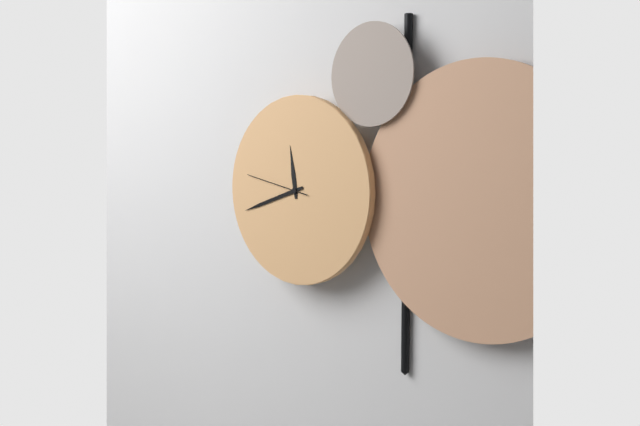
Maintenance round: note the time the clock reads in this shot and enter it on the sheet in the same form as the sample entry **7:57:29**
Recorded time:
**11:42:47**
